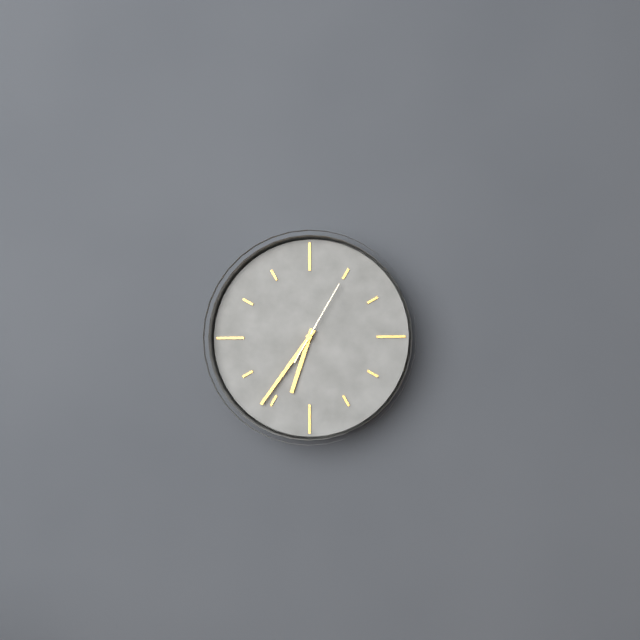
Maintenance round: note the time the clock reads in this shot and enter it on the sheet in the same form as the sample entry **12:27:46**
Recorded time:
**6:36:05**
